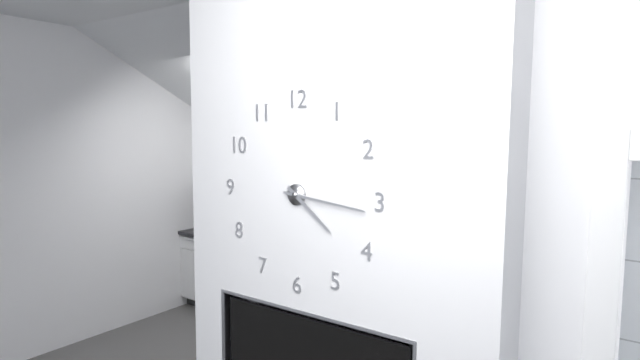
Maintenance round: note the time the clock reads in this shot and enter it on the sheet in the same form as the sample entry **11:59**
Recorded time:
**4:16**
